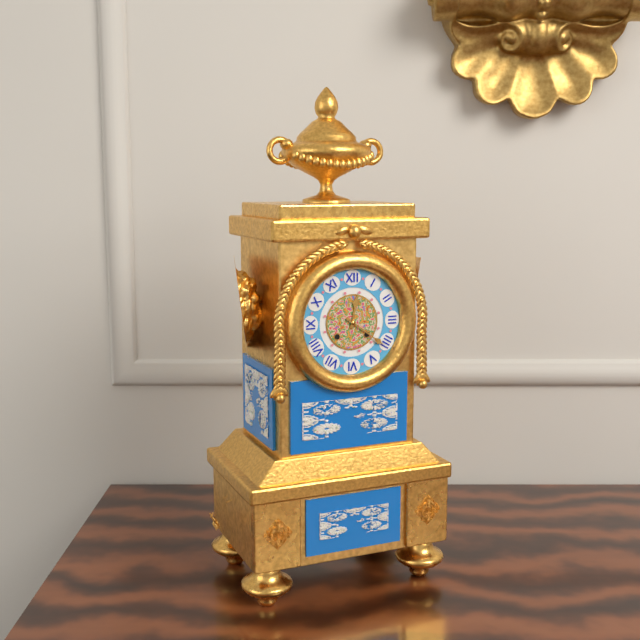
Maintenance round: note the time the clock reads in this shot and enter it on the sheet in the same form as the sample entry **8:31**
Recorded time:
**12:21**
